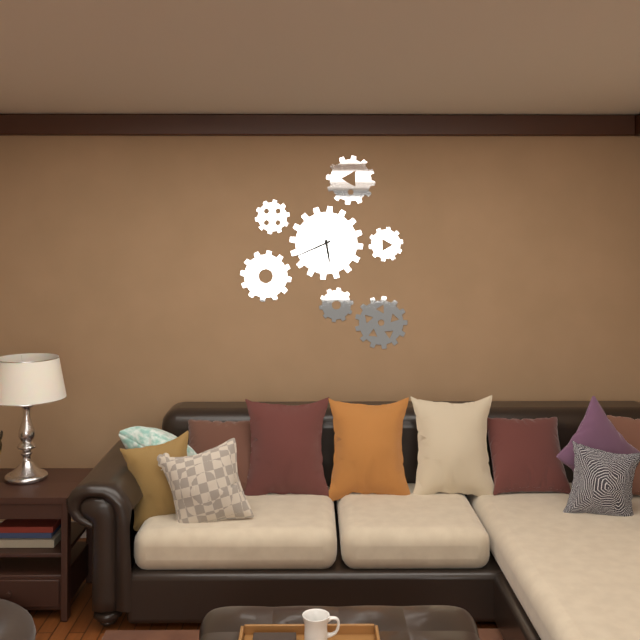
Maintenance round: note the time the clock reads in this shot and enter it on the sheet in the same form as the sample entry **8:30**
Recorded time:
**5:41**
